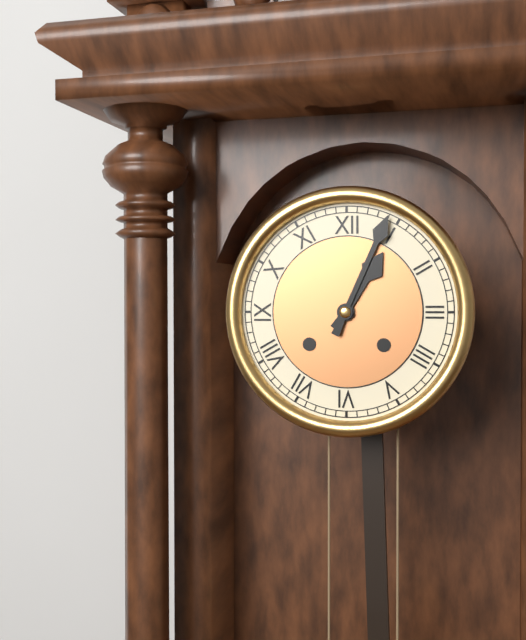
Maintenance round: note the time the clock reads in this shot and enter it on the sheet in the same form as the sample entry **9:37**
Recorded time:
**1:04**
